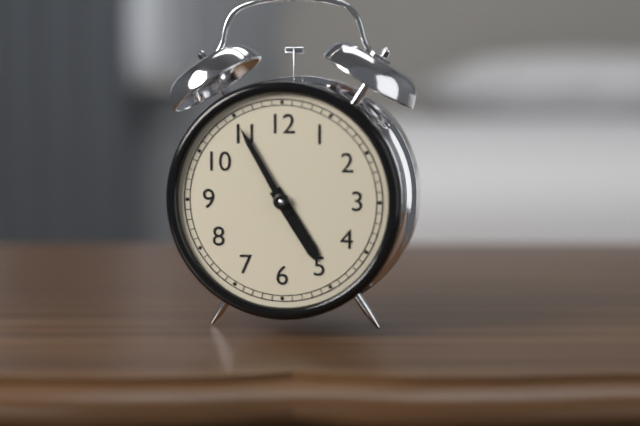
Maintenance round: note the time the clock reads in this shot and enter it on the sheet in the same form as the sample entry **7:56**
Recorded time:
**4:55**
